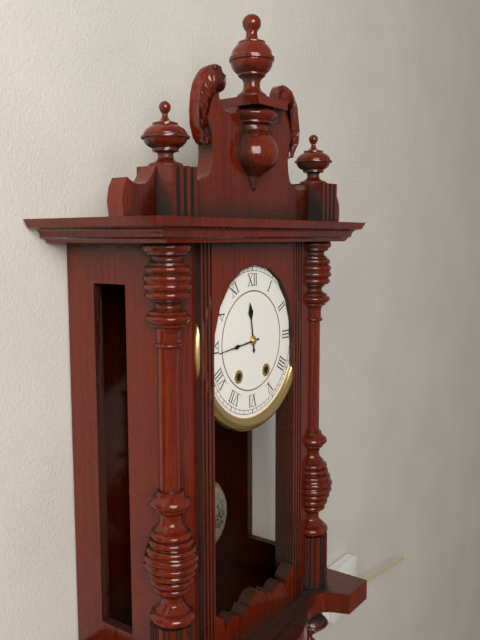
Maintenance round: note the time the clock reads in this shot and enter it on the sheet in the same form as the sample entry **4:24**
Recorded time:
**11:44**
